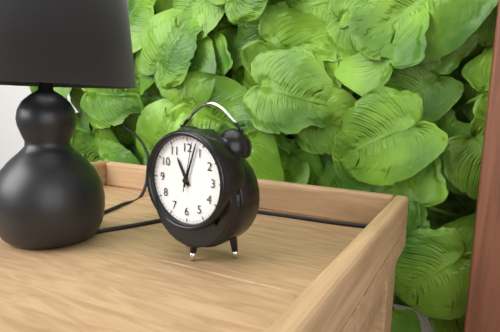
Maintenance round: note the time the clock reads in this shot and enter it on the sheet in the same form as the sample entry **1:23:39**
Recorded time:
**11:03:02**
